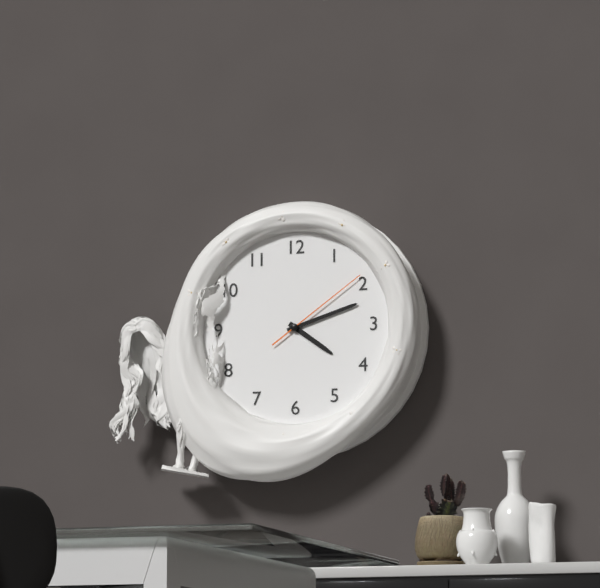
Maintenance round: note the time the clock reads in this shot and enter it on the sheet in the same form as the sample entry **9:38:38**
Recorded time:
**4:12:09**
